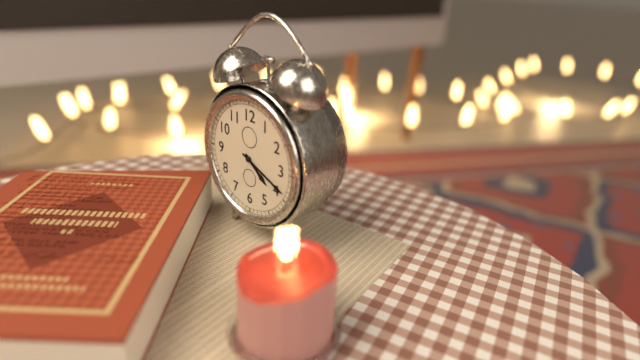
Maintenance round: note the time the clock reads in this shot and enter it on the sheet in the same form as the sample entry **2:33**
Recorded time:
**4:19**
